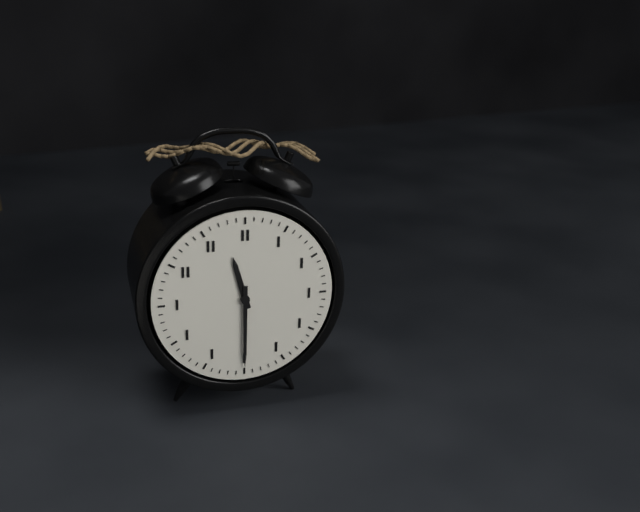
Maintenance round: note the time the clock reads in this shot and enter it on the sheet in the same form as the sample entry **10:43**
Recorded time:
**11:30**
